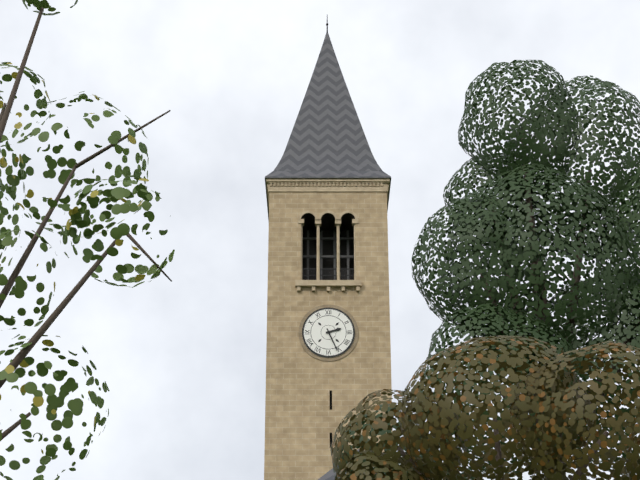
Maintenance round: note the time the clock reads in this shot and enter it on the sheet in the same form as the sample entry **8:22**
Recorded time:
**2:26**
